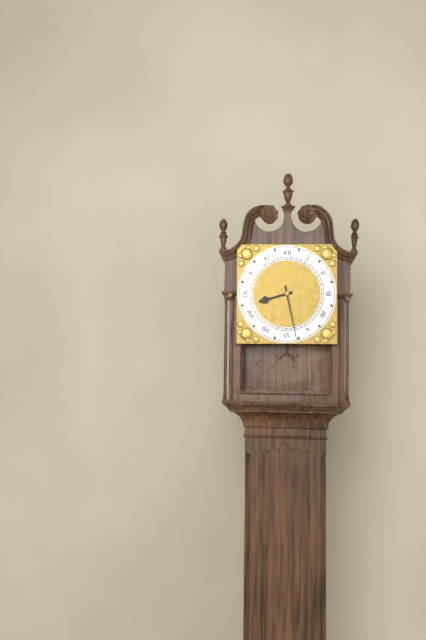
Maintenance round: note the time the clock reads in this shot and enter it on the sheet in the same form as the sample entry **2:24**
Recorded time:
**8:28**
